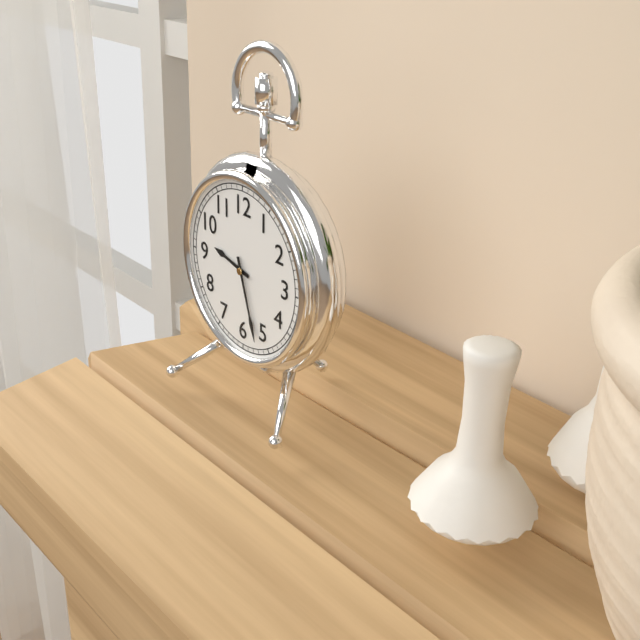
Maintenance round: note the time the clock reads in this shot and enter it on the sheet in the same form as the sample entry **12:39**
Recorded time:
**9:27**
